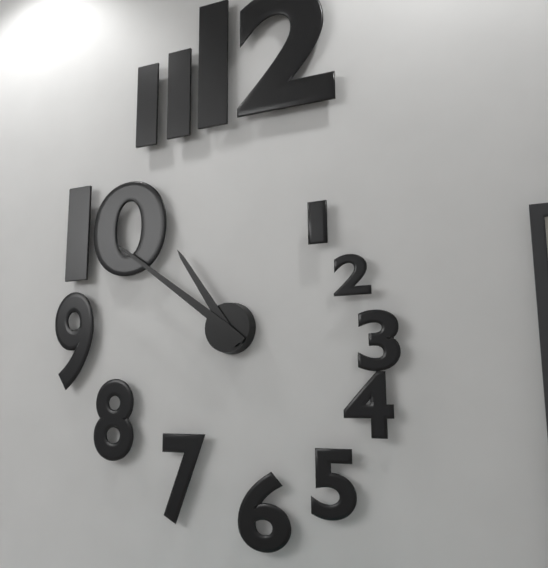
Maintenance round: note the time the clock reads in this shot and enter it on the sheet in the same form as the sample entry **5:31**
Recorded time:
**10:51**
